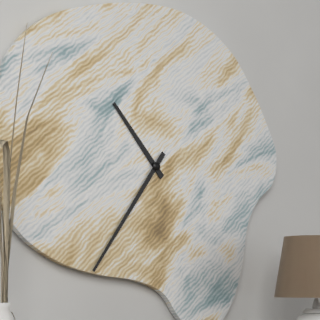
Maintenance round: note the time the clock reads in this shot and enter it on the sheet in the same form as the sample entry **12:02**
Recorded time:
**10:36**
